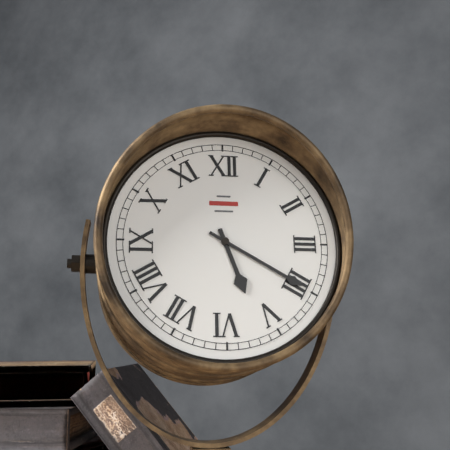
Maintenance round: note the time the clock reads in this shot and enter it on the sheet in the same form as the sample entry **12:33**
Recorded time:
**5:20**
